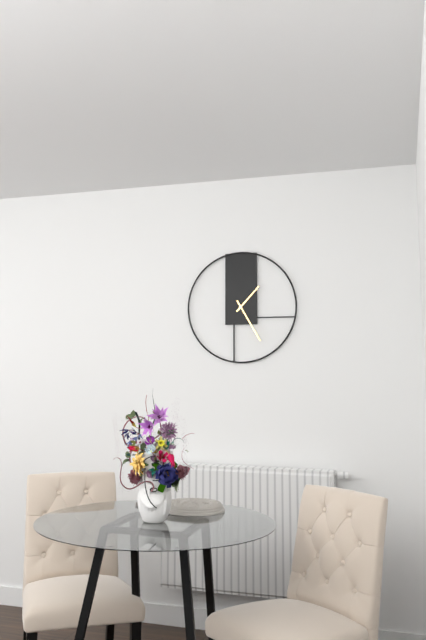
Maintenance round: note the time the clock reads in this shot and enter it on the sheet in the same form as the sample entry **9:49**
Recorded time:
**1:25**
